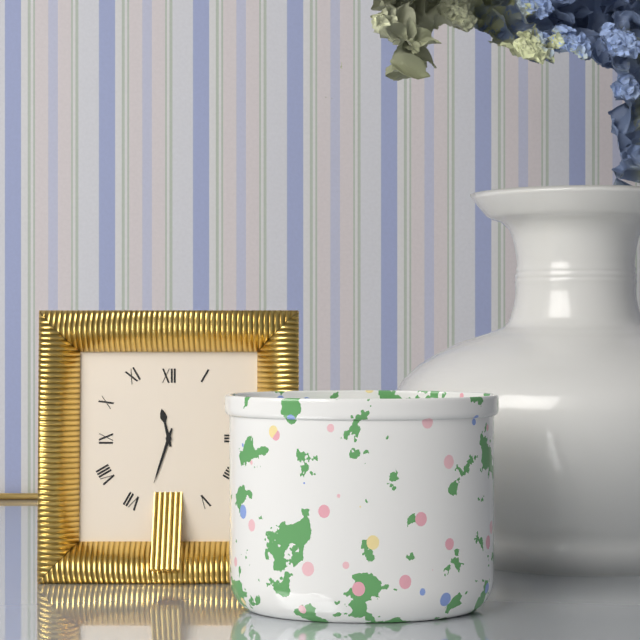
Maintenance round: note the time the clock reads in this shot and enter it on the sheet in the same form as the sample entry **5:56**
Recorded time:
**11:33**
